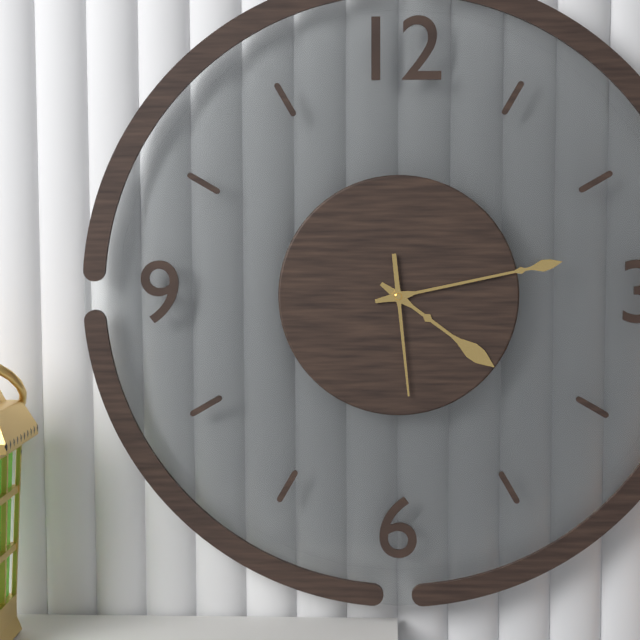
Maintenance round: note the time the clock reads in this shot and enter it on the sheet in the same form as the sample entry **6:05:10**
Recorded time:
**4:13:29**
